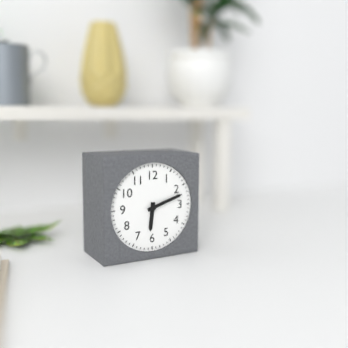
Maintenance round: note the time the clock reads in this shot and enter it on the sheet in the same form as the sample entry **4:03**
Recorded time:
**6:12**
